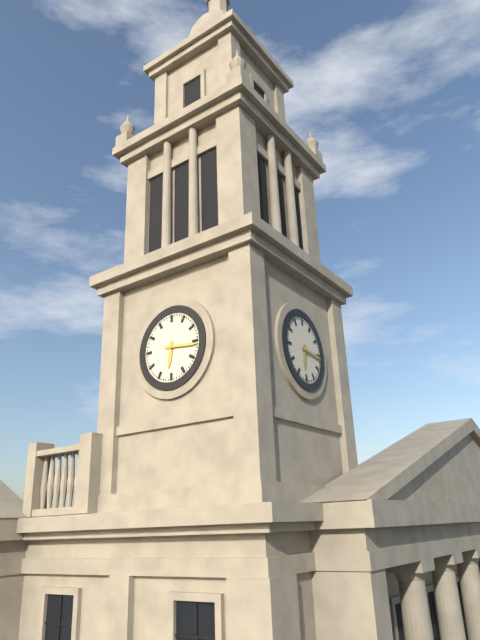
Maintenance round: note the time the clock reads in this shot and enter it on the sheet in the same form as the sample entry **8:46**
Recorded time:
**6:16**
